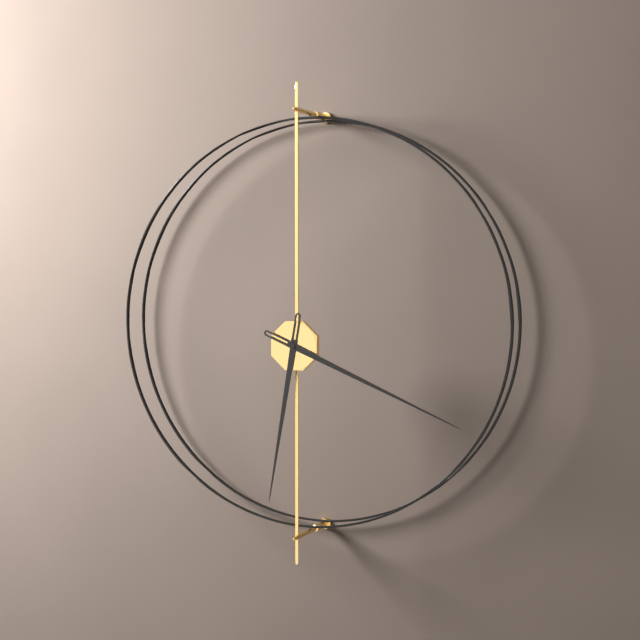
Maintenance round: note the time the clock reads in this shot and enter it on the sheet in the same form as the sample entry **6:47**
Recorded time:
**6:19**
